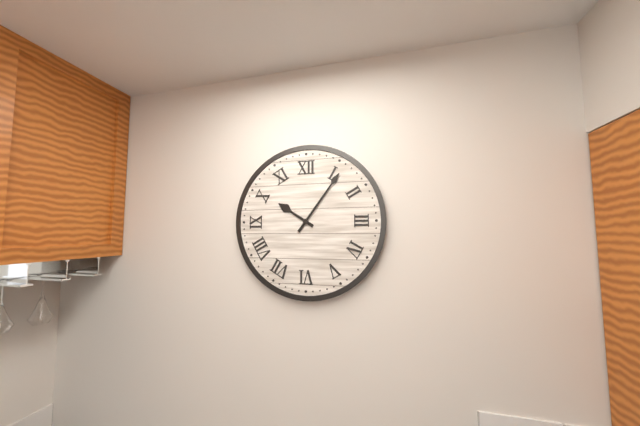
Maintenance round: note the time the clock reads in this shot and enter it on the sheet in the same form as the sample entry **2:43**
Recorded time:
**10:06**
